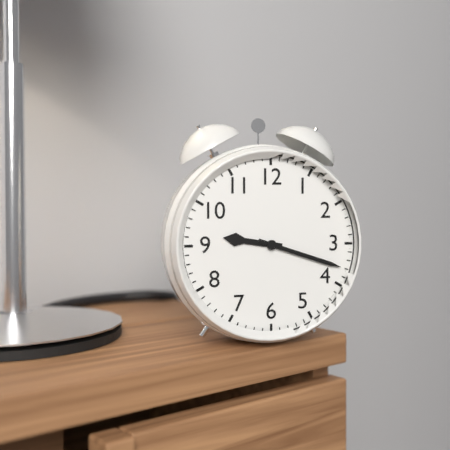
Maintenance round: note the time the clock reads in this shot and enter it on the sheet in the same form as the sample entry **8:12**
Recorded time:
**9:18**
